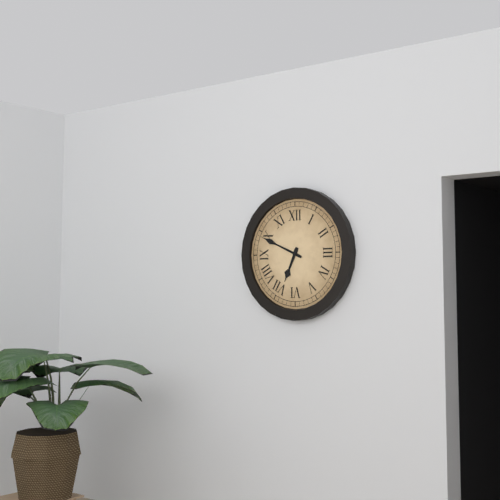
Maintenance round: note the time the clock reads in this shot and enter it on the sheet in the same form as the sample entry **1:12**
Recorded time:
**6:49**
